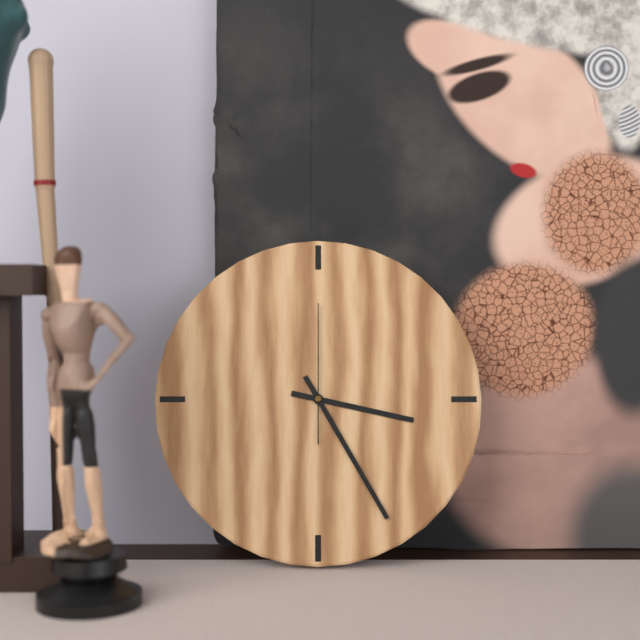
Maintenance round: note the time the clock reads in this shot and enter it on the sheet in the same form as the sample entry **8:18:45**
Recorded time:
**3:25:00**
